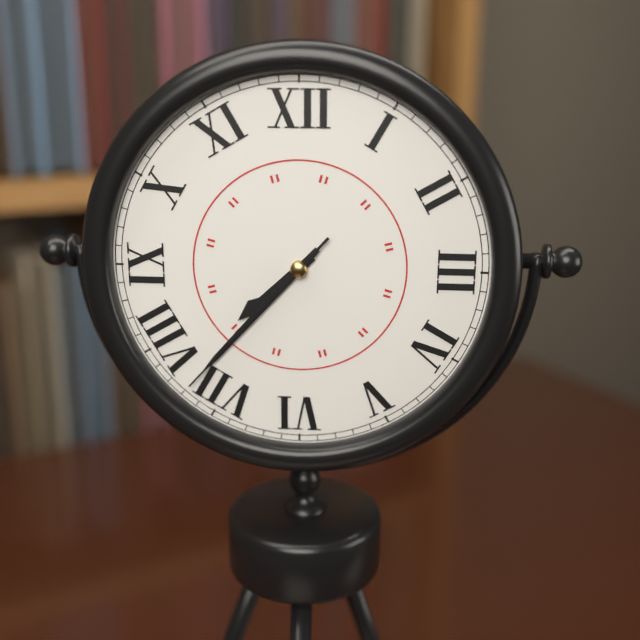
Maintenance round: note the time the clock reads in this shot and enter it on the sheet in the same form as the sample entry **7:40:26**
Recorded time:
**7:37:37**
